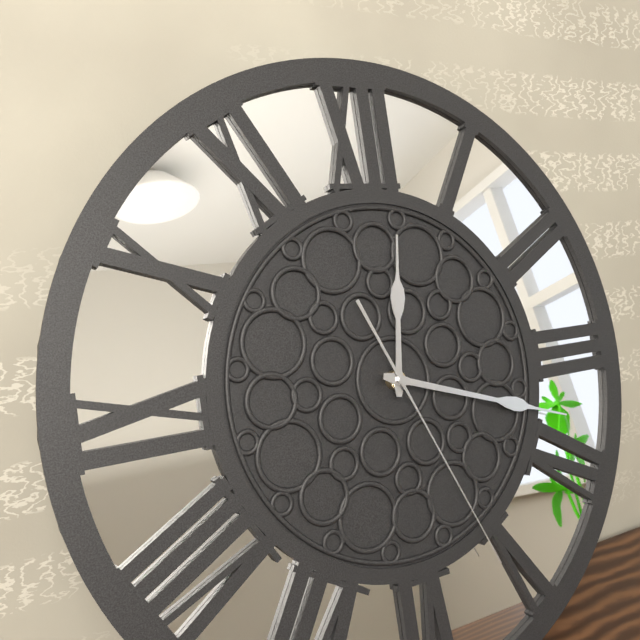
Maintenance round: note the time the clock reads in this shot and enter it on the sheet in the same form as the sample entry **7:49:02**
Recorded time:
**12:18:26**
